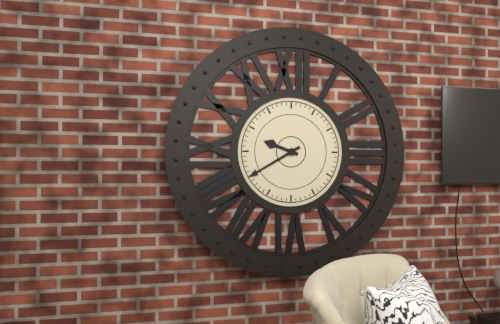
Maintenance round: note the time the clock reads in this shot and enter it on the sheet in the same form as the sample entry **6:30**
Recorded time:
**9:40**
